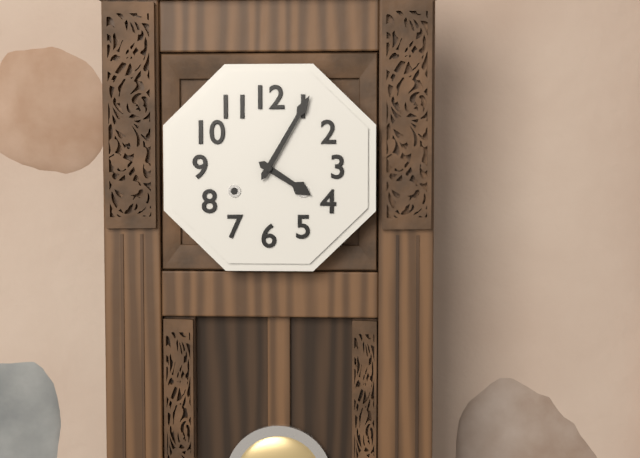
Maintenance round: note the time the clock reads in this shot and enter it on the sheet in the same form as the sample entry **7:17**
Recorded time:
**4:05**
